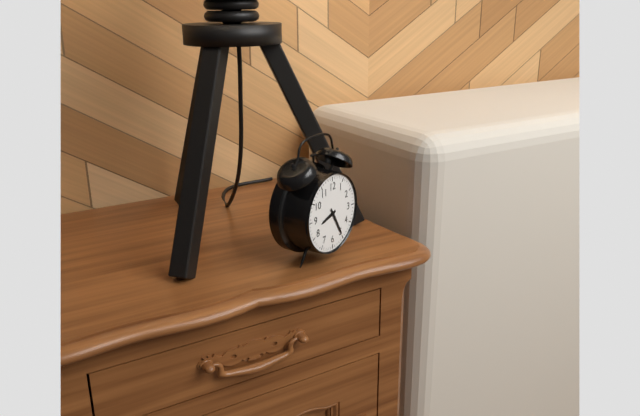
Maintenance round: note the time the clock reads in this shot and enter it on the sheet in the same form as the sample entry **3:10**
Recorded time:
**8:25**
